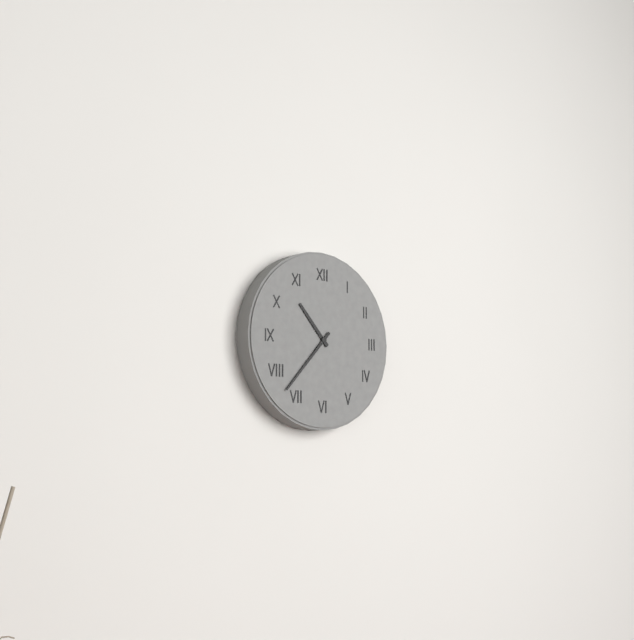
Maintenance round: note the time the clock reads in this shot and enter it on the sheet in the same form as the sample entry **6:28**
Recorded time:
**10:37**
